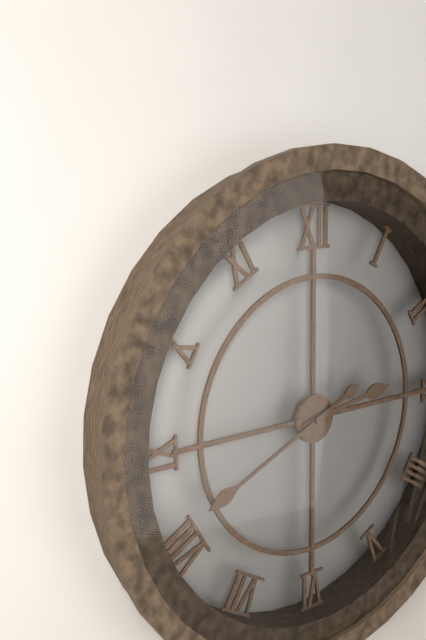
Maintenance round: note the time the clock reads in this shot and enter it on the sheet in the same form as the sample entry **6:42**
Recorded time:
**2:41**
